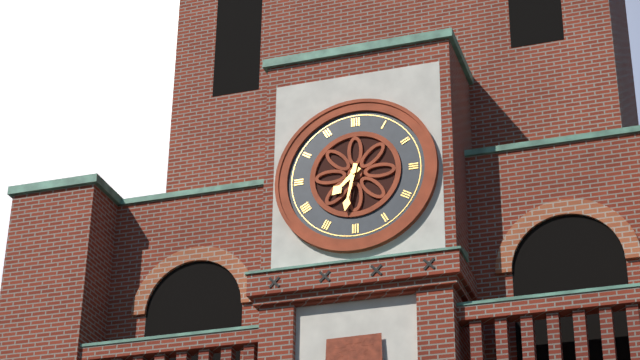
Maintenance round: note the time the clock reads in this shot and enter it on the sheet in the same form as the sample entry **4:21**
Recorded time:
**7:32**
